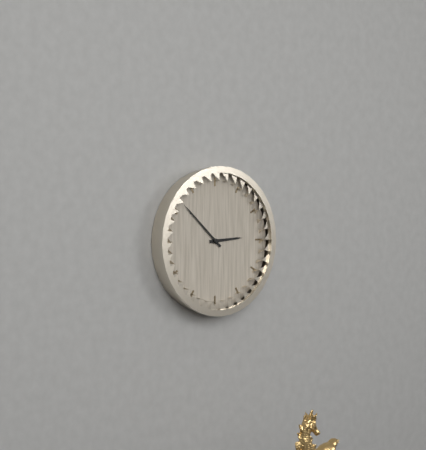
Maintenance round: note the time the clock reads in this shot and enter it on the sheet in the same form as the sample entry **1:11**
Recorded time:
**2:52**
